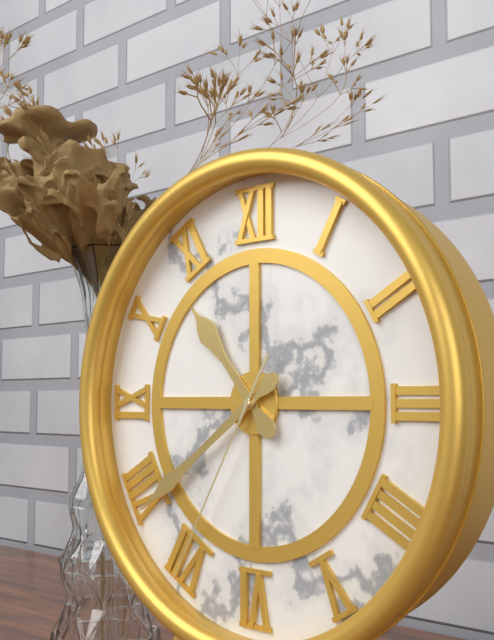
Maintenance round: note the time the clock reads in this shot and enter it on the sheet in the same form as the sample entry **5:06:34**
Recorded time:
**10:39:35**
